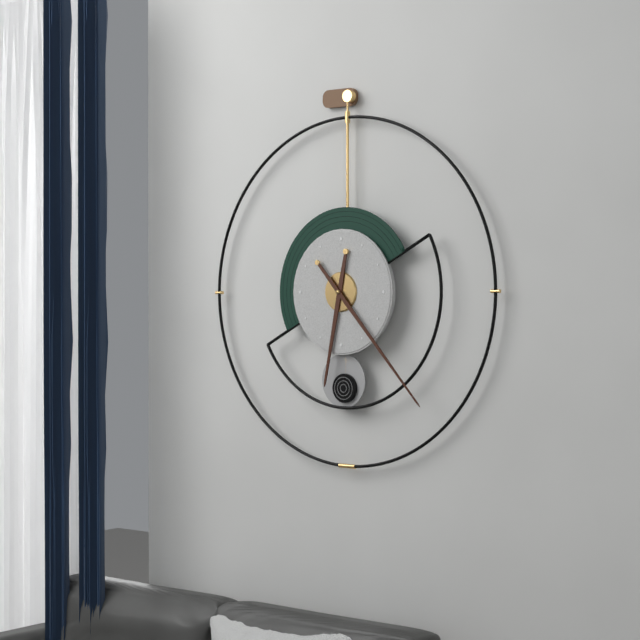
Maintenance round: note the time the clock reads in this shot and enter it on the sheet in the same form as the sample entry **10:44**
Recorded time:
**6:23**
